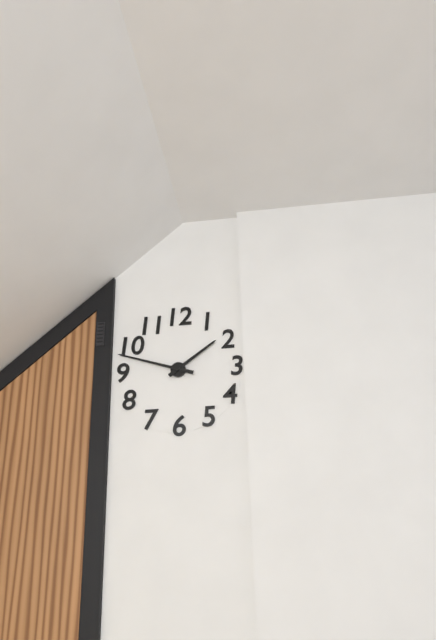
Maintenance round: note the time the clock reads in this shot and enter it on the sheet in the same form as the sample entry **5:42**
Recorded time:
**1:48**
